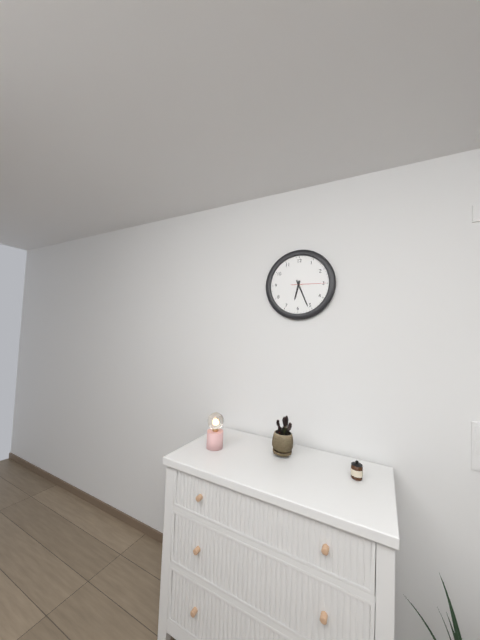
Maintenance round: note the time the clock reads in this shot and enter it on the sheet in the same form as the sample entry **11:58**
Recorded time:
**6:26**
